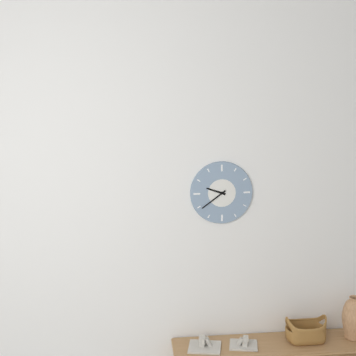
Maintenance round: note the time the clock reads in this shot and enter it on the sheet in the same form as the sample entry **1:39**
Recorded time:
**9:39**
